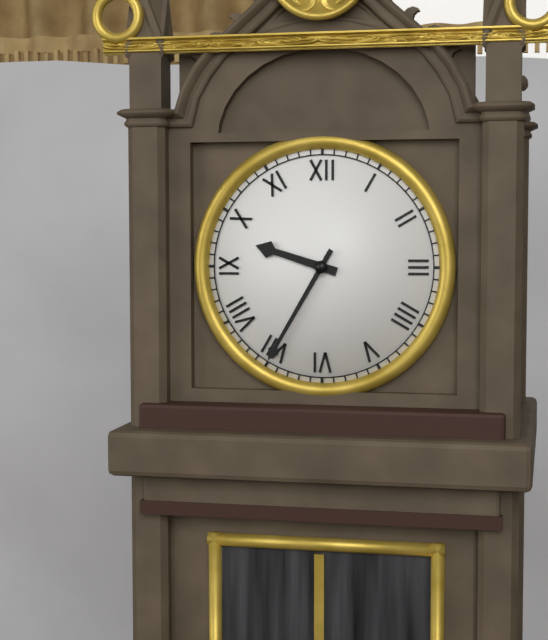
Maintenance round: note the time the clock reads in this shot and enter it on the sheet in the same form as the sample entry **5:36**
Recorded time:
**9:35**
